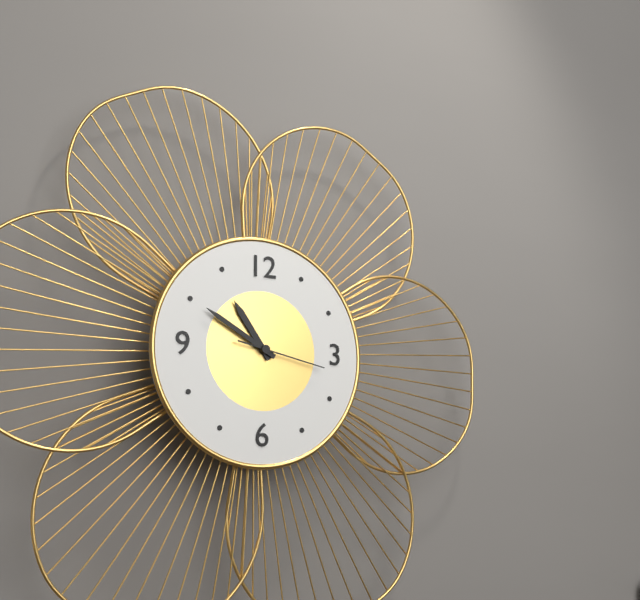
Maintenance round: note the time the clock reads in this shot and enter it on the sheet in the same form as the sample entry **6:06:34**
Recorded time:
**10:50:17**
